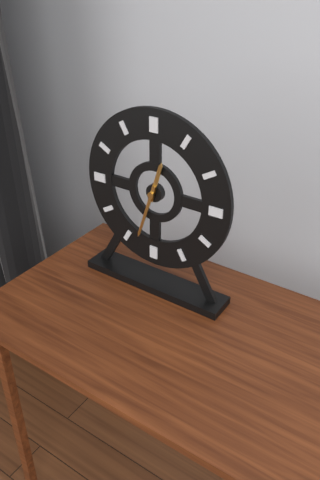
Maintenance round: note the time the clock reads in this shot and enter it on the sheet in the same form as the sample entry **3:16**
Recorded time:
**12:33**
